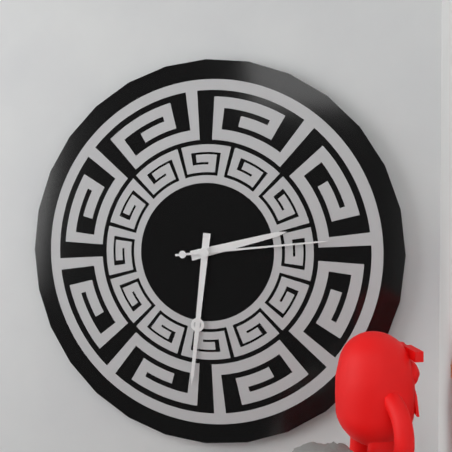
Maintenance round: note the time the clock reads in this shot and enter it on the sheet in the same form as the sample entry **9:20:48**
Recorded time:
**2:31:14**
